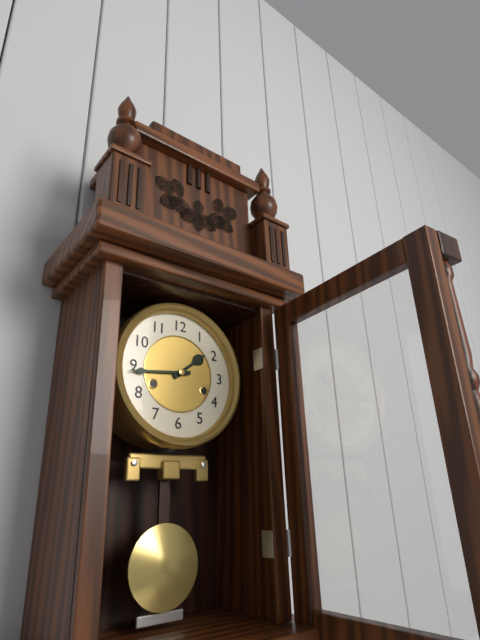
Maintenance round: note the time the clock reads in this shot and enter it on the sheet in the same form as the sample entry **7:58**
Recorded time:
**1:44**
